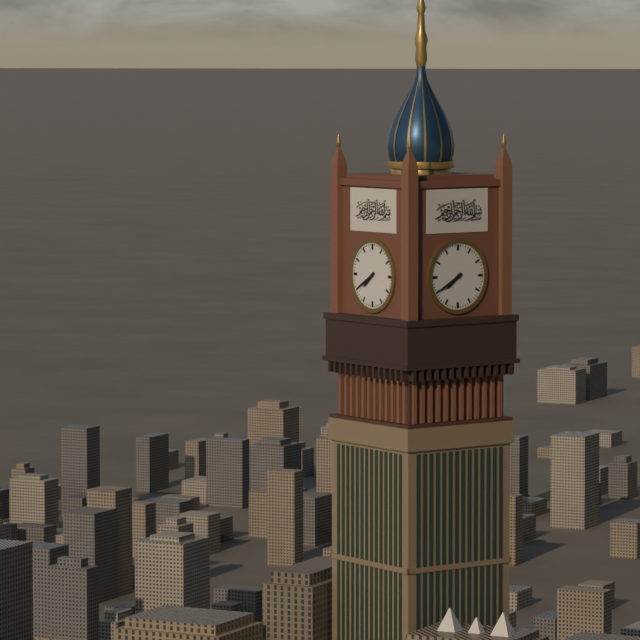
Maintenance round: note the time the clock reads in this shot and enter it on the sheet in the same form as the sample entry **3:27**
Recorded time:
**7:40**
